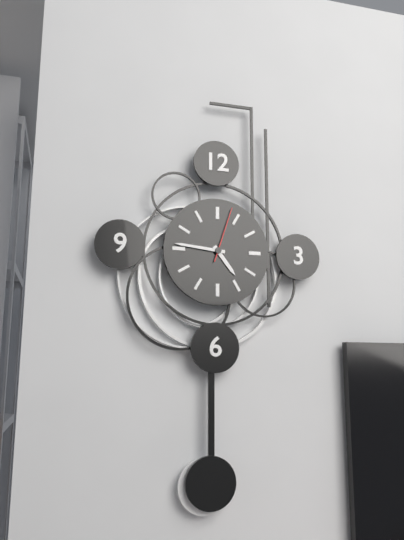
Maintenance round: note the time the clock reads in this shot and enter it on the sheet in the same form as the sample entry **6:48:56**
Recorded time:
**4:46:03**
